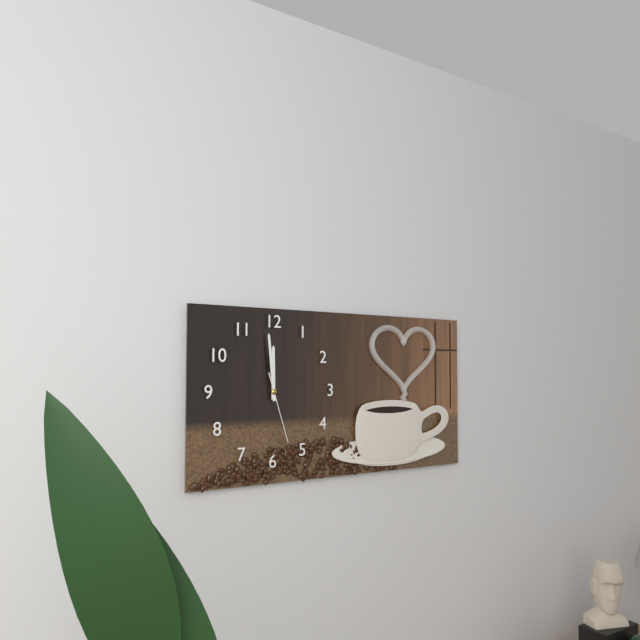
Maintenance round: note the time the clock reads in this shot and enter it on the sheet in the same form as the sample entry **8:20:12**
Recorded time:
**11:59:27**
